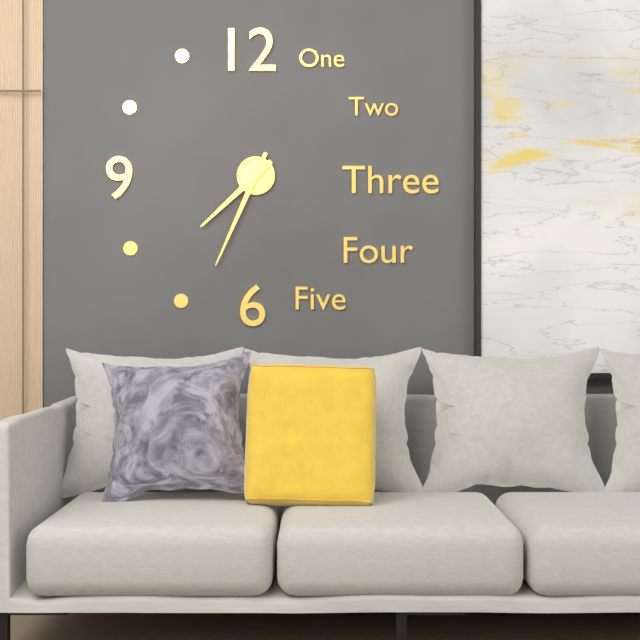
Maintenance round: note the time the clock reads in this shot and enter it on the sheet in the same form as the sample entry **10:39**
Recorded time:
**7:34**
